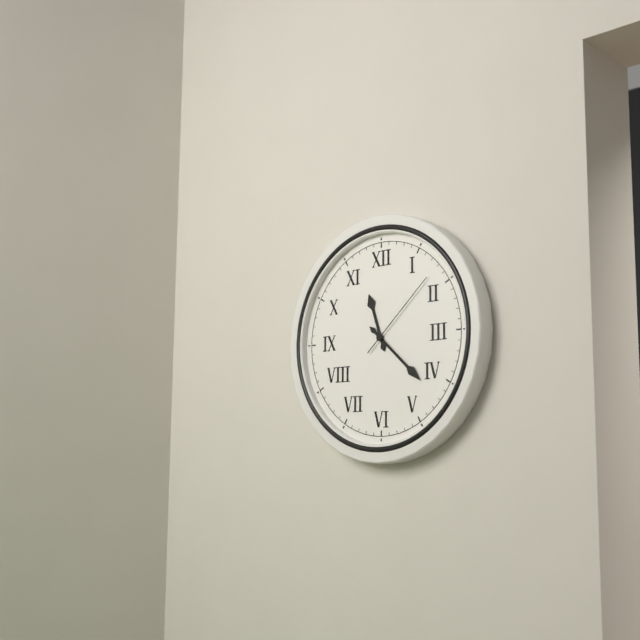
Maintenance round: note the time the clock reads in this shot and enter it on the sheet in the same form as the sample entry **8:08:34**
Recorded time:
**11:22:08**
